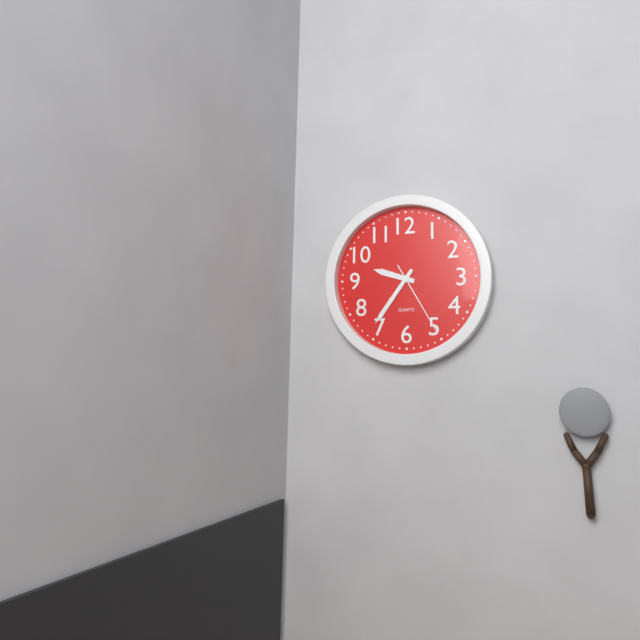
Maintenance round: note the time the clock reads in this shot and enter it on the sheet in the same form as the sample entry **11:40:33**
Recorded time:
**9:36:25**
